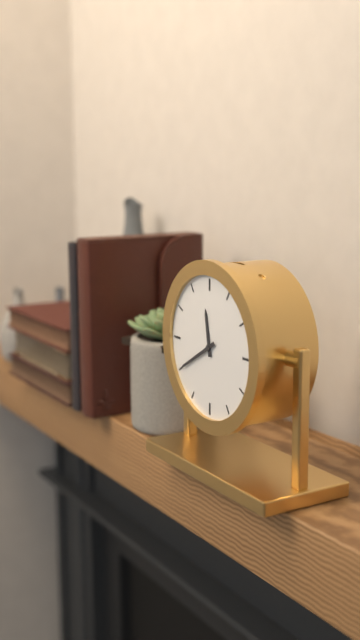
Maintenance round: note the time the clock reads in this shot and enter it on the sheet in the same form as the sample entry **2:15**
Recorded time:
**11:40**
